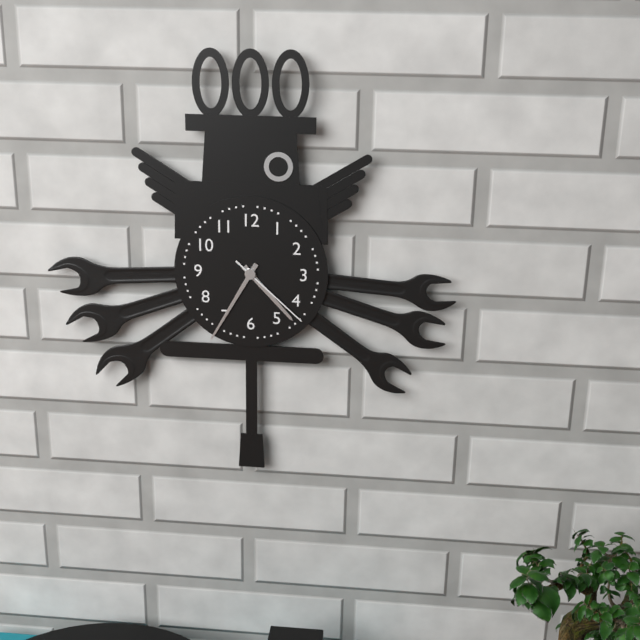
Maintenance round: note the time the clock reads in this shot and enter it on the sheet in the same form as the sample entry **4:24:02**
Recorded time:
**4:35:22**
